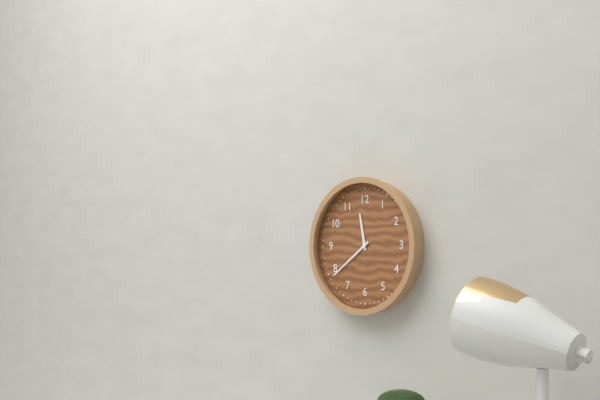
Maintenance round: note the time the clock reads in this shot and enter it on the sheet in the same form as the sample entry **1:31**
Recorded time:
**11:39**
